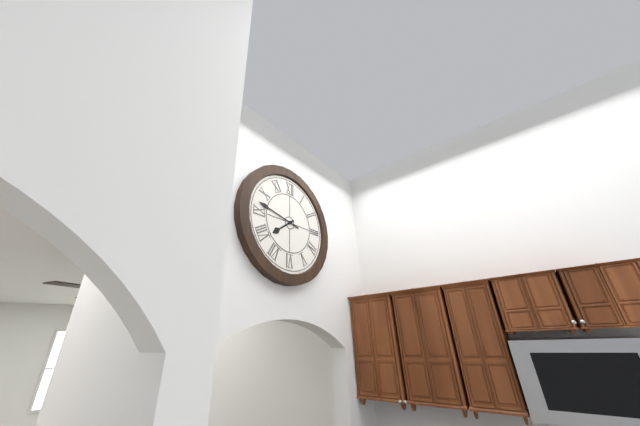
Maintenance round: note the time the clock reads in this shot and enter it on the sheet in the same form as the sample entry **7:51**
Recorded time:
**7:47**
